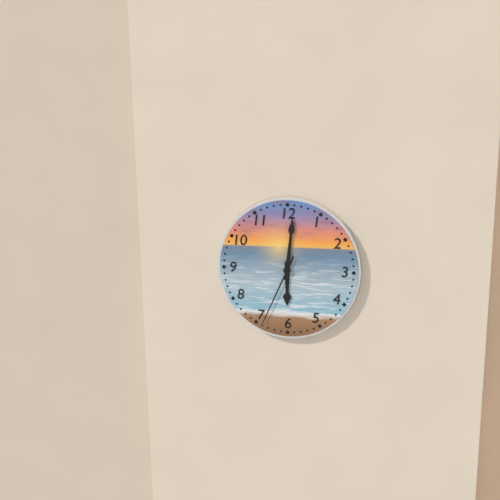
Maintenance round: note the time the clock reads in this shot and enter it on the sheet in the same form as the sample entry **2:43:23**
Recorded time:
**6:01:34**
